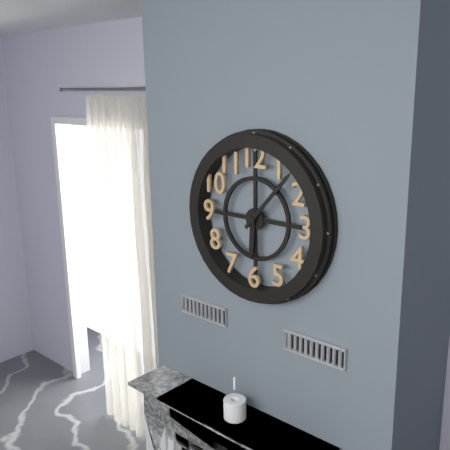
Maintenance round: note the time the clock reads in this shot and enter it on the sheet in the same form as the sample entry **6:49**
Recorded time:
**6:07**
